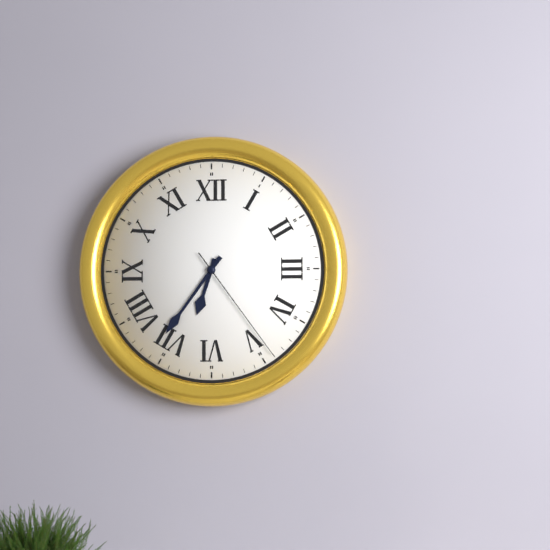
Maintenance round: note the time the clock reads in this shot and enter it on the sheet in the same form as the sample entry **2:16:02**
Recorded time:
**6:36:24**
